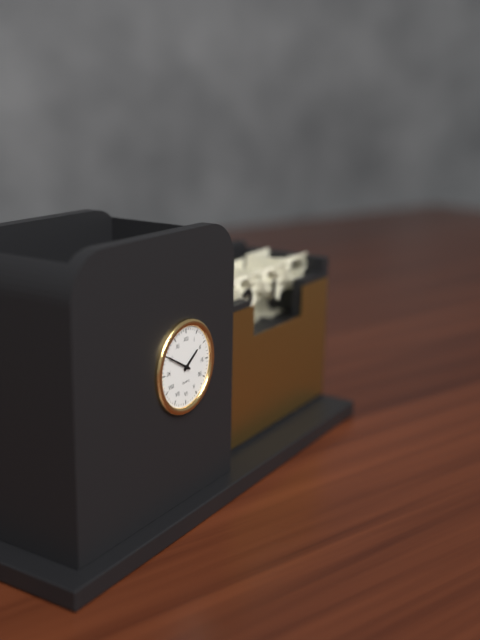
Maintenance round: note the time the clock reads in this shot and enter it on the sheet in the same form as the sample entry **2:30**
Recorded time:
**1:50**
